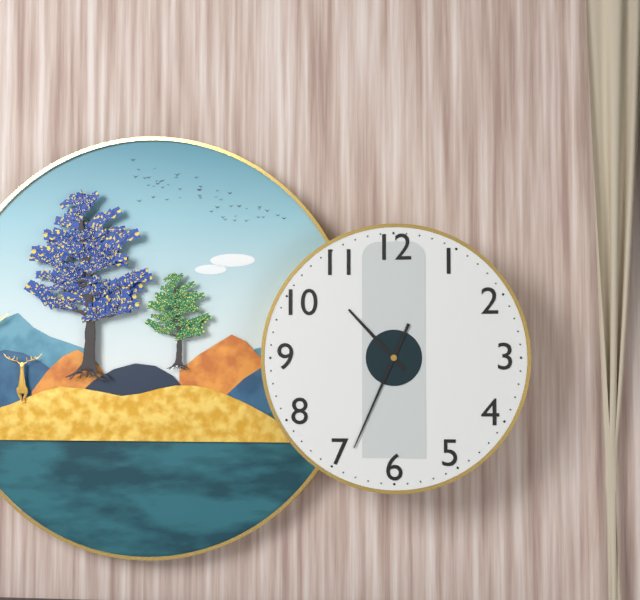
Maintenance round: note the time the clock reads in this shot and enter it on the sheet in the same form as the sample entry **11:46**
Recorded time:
**10:34**
